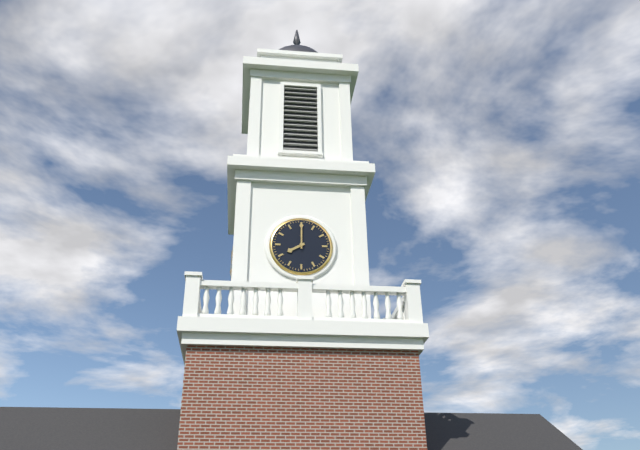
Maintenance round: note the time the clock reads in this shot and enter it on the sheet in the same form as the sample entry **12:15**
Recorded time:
**8:00**
